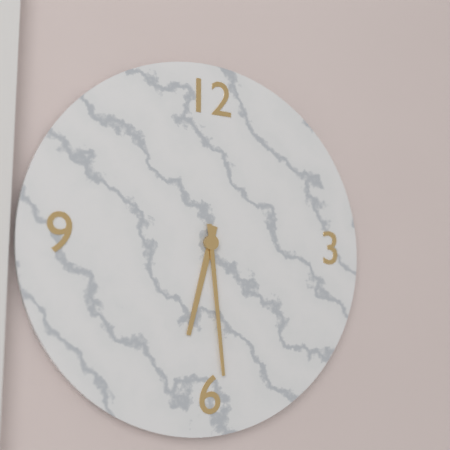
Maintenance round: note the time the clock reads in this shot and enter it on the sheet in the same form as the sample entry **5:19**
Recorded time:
**6:29**
